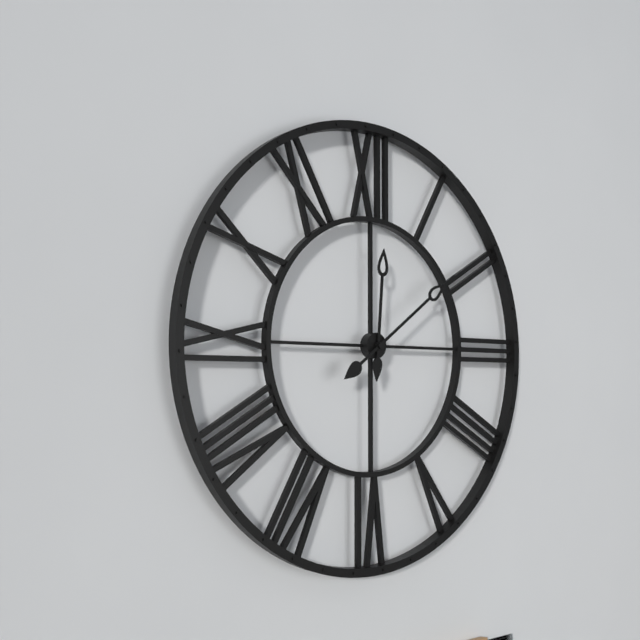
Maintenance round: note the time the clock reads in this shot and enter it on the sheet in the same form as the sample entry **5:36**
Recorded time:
**12:09**
